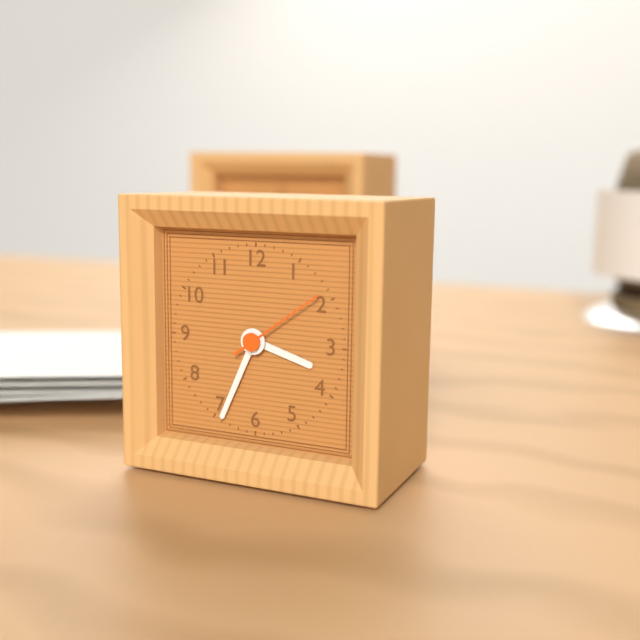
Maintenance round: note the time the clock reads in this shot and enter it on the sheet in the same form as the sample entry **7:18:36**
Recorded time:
**3:34:09**
